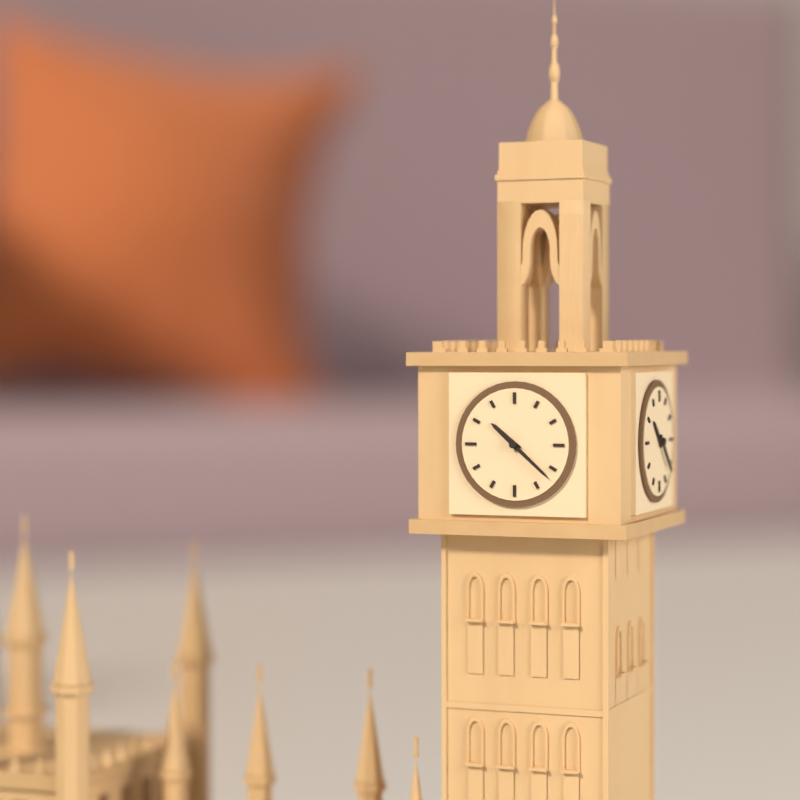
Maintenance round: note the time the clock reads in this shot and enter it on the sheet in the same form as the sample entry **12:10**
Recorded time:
**10:22**
